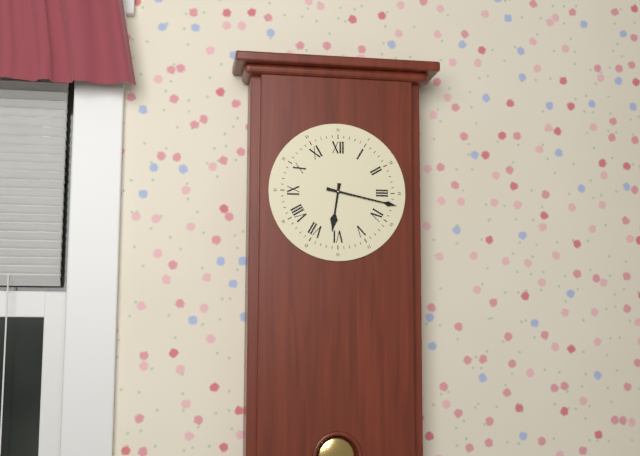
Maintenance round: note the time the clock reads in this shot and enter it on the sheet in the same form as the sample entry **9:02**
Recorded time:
**6:17**
